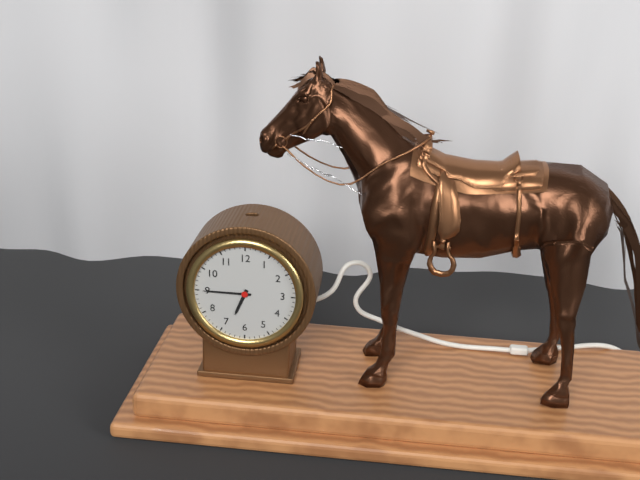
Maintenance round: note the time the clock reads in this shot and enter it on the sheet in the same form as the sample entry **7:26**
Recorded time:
**6:45**
